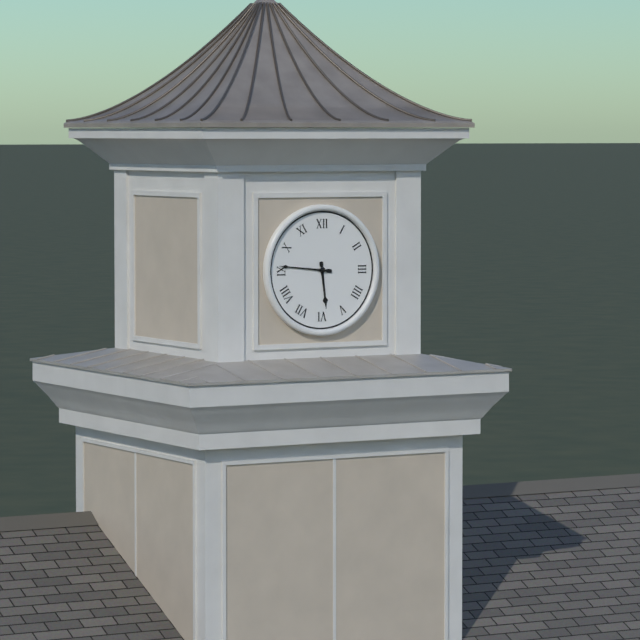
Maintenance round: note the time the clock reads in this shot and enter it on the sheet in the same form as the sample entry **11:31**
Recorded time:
**5:46**
